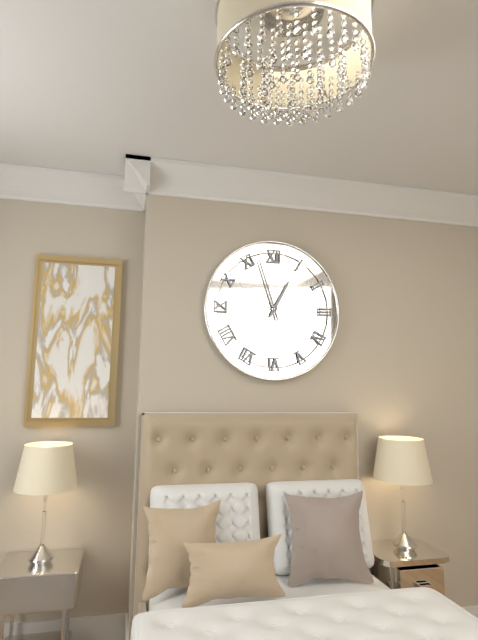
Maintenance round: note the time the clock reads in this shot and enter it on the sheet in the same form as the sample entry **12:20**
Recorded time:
**12:57**
